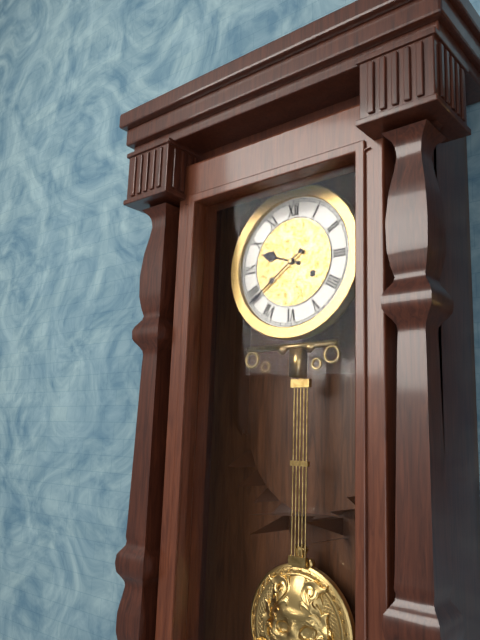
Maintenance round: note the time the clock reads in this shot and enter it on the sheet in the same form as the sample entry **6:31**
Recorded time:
**9:39**
